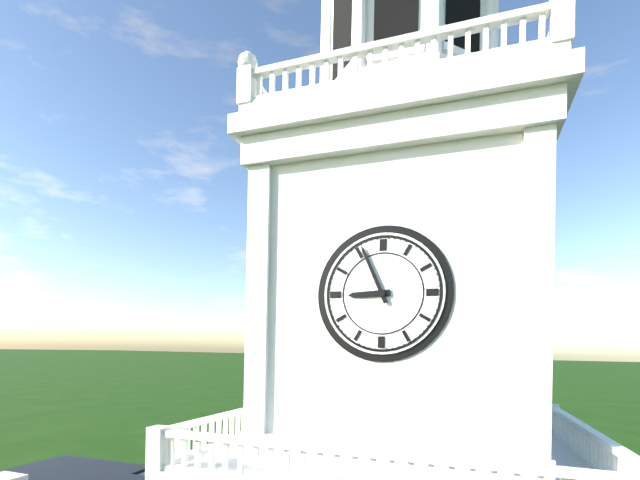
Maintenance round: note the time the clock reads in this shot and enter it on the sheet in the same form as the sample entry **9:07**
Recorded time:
**8:56**
